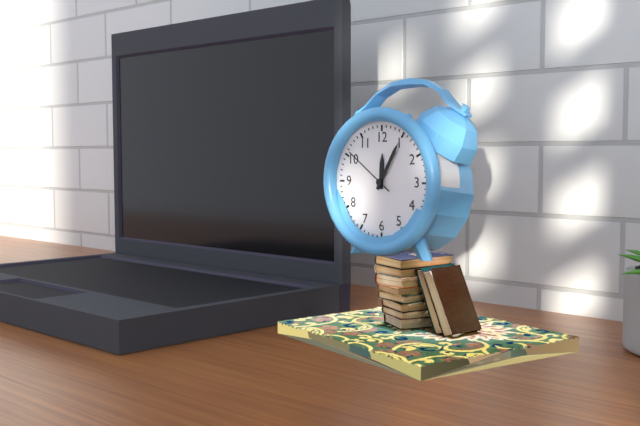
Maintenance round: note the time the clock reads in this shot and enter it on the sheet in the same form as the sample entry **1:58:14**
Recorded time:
**12:05:51**
